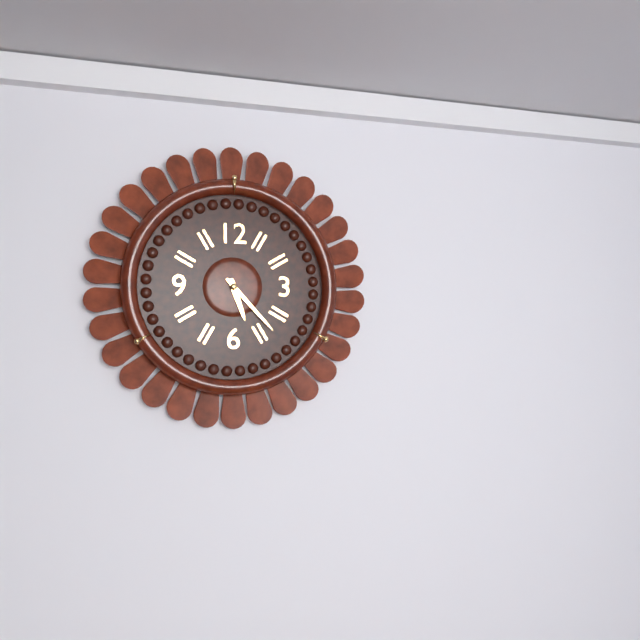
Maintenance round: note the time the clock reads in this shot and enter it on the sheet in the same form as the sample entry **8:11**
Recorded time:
**5:23**
